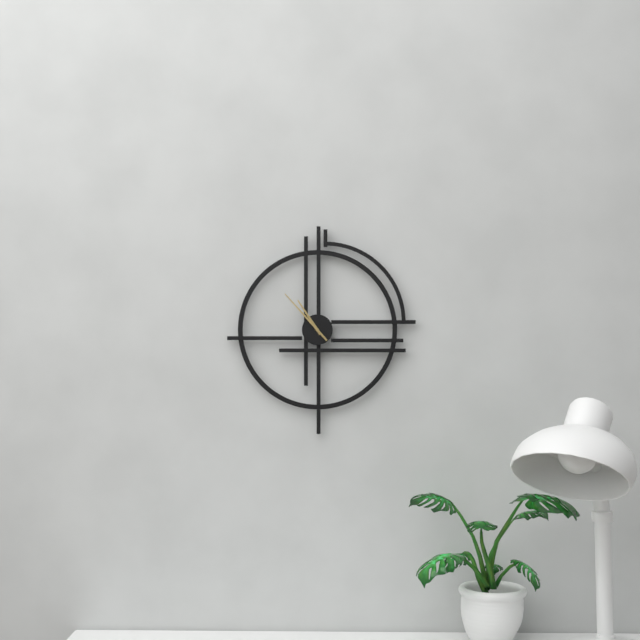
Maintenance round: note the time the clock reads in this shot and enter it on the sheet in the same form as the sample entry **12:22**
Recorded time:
**10:53**
